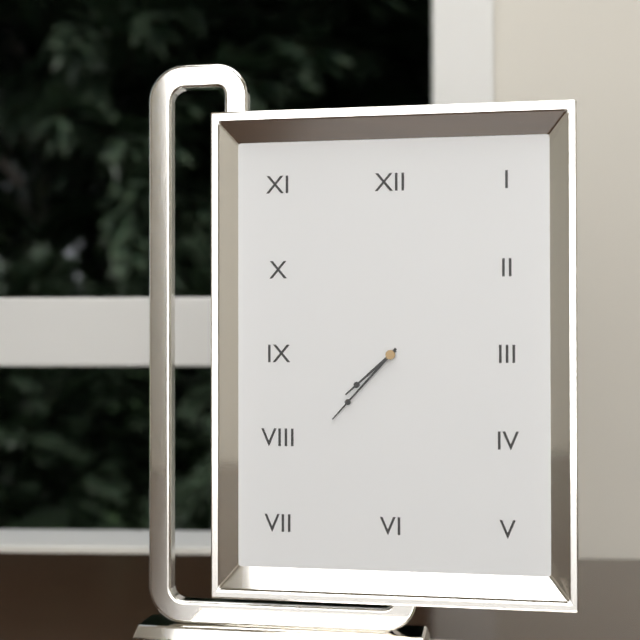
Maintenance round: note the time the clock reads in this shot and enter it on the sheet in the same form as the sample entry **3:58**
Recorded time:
**7:37**
